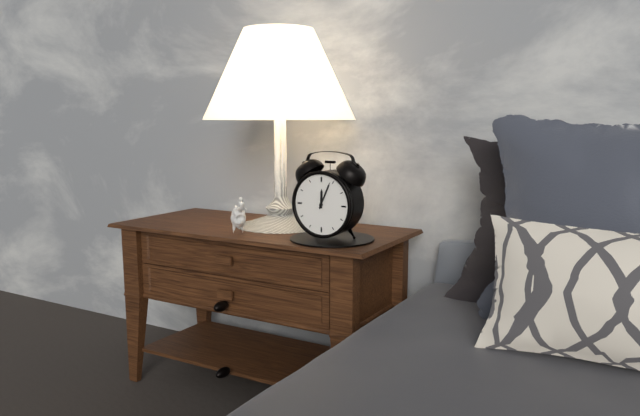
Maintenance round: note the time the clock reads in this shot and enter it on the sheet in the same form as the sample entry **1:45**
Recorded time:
**12:04**
